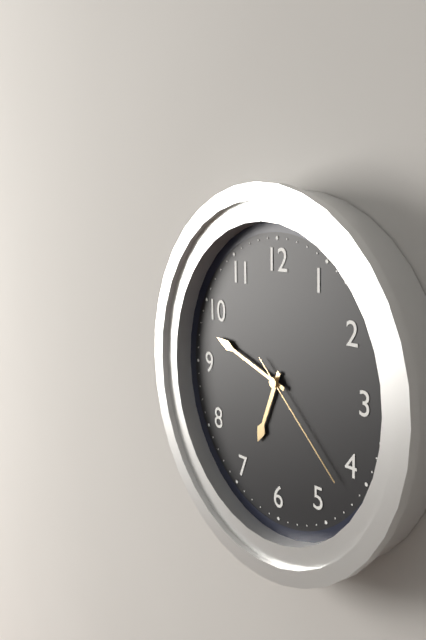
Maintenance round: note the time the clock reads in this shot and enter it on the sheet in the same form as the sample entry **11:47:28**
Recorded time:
**6:48:22**
